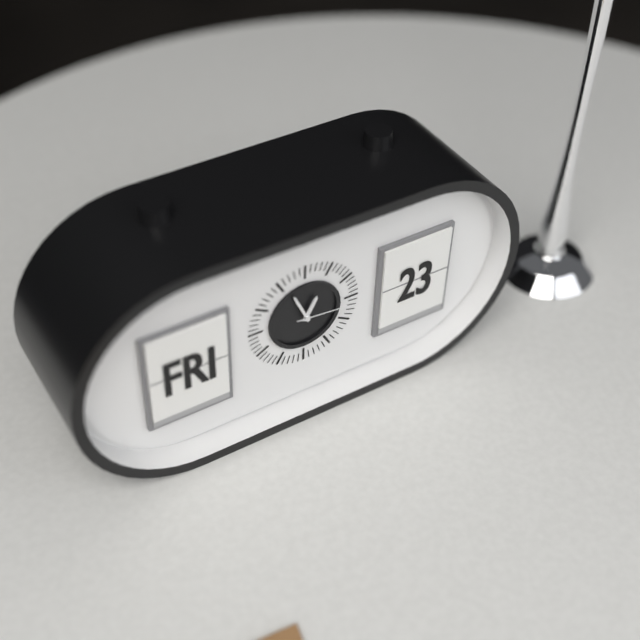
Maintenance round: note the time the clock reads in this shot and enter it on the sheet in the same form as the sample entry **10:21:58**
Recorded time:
**12:56:16**
